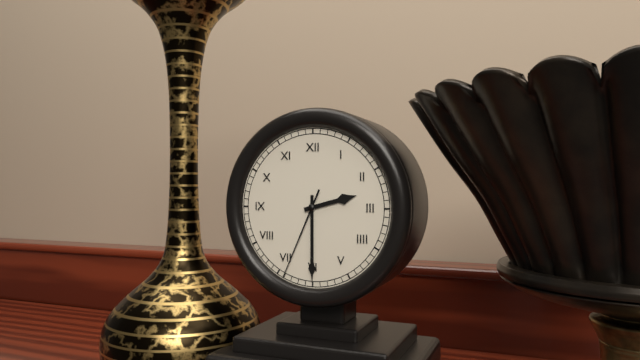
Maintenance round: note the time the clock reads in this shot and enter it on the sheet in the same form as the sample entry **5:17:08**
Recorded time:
**2:30:34**
